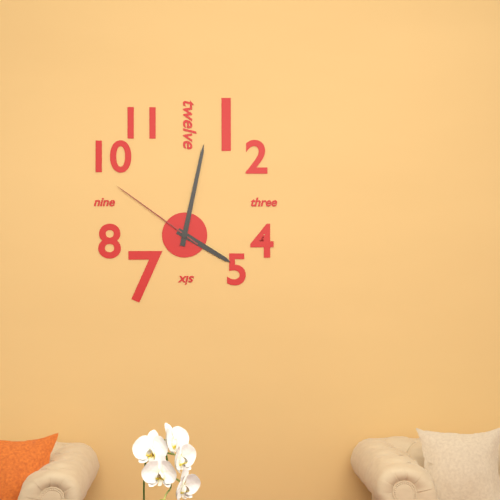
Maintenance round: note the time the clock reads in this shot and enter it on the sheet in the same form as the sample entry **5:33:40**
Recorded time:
**4:02:51**
